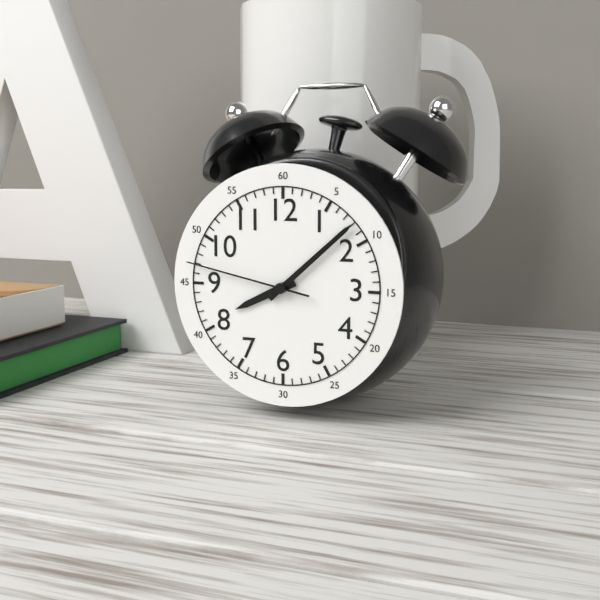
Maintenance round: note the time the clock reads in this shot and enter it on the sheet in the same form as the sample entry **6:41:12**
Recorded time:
**8:08:47**
